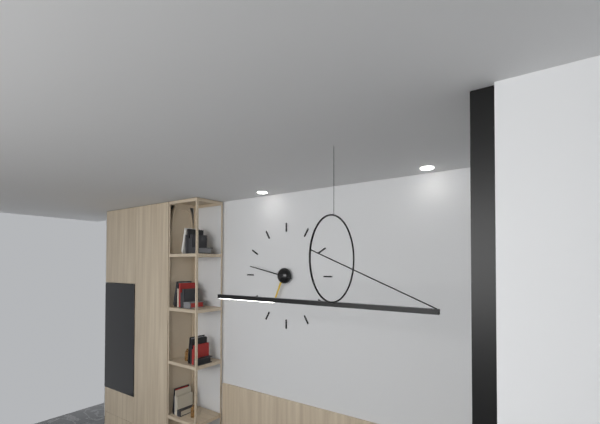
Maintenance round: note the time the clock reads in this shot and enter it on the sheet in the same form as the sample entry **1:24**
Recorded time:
**6:47**
